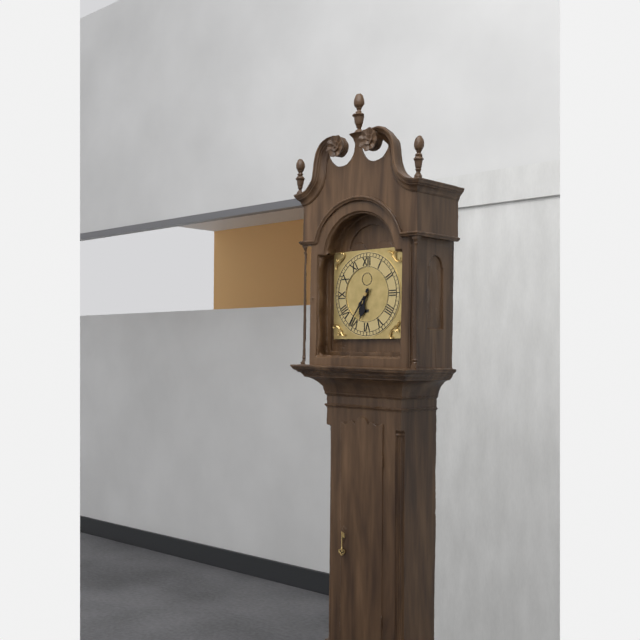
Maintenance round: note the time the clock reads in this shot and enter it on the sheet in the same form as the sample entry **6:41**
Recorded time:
**6:36**
